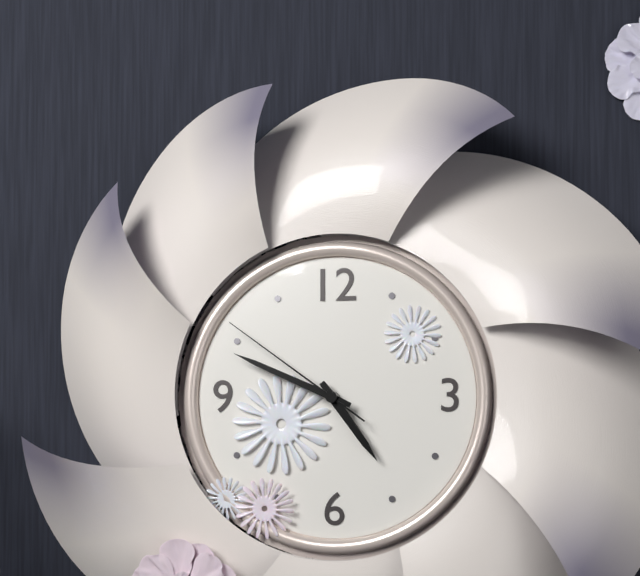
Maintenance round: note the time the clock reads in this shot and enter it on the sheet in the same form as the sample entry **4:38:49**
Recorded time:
**4:49:51**
